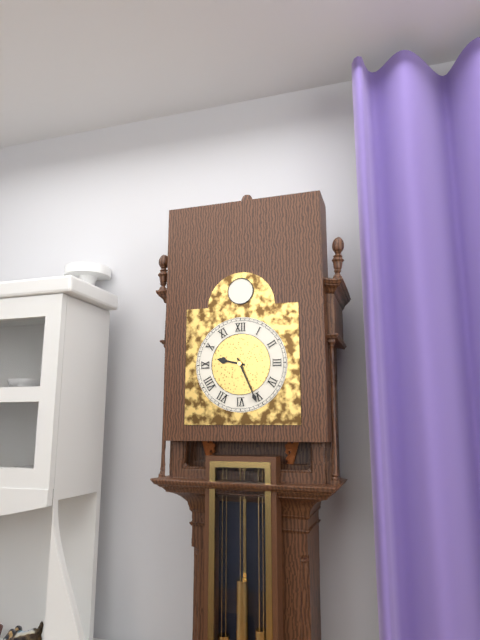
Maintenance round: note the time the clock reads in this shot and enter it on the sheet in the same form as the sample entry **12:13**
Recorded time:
**9:26**
